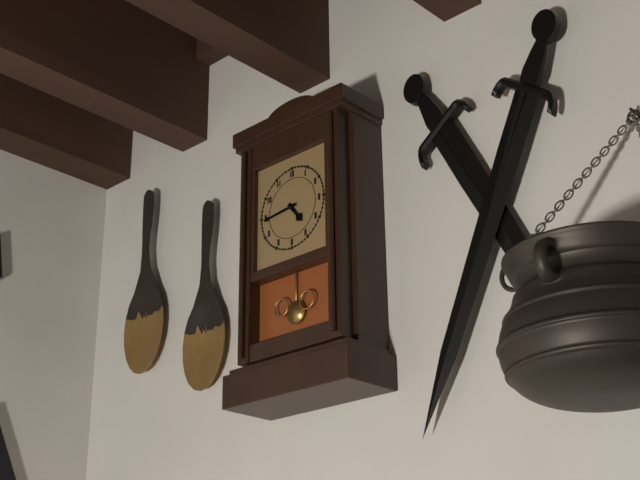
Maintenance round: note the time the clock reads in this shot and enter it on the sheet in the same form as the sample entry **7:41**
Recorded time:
**4:44**
